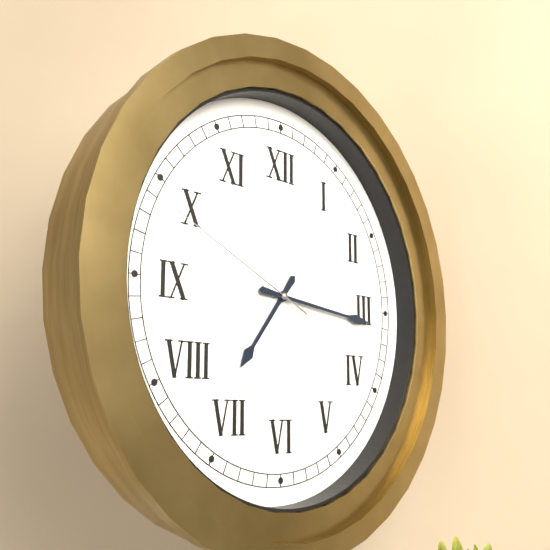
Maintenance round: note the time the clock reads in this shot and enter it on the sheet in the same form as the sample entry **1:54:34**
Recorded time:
**7:16:49**
